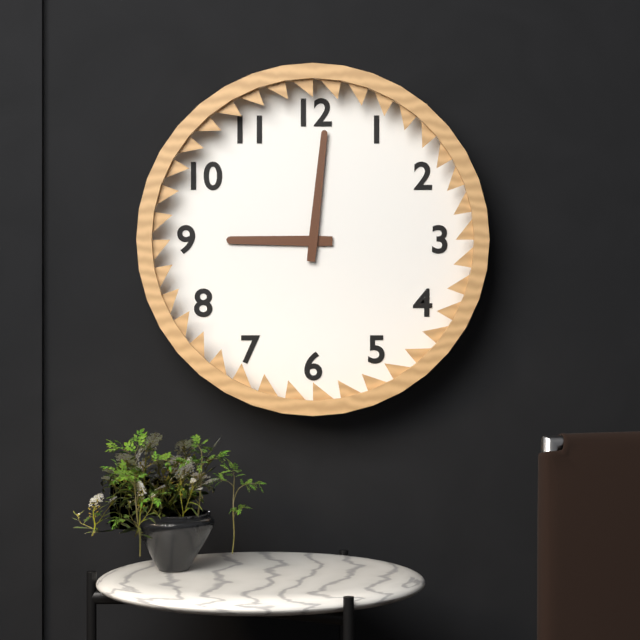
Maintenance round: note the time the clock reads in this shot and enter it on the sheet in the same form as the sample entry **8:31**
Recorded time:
**9:01**
